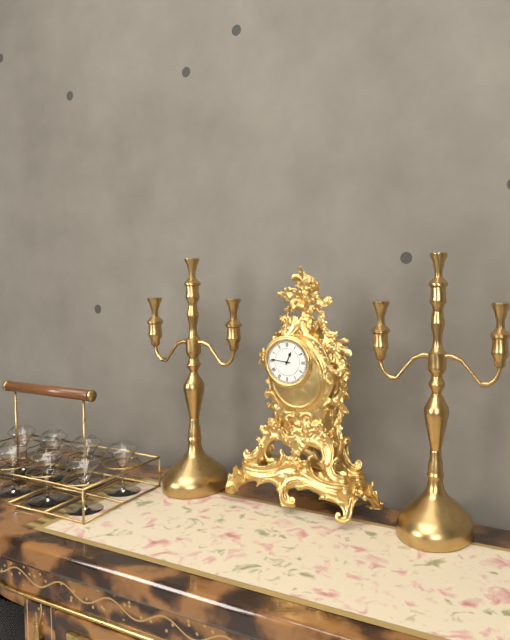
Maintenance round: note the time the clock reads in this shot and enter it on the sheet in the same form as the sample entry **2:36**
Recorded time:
**12:46**
